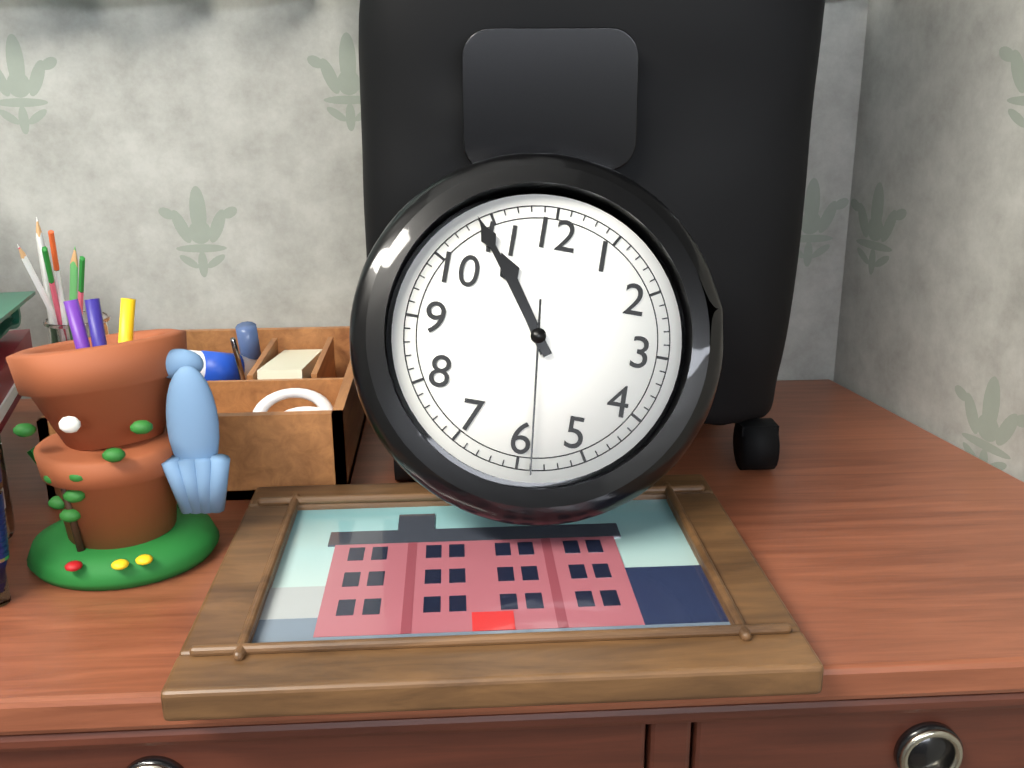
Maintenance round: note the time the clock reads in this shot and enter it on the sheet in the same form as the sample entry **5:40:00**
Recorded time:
**10:54:29**
